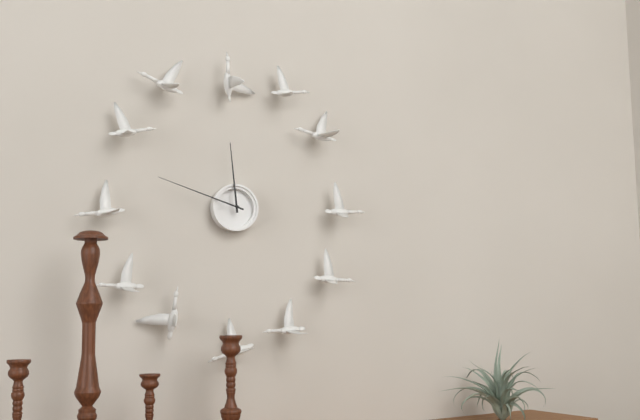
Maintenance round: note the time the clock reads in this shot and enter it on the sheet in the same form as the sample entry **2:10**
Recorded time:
**11:48**
